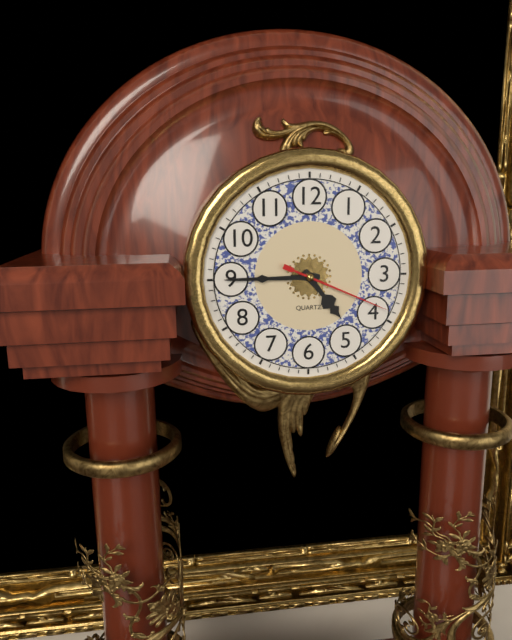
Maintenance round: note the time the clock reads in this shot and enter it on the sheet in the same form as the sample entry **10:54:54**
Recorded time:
**4:45:19**
